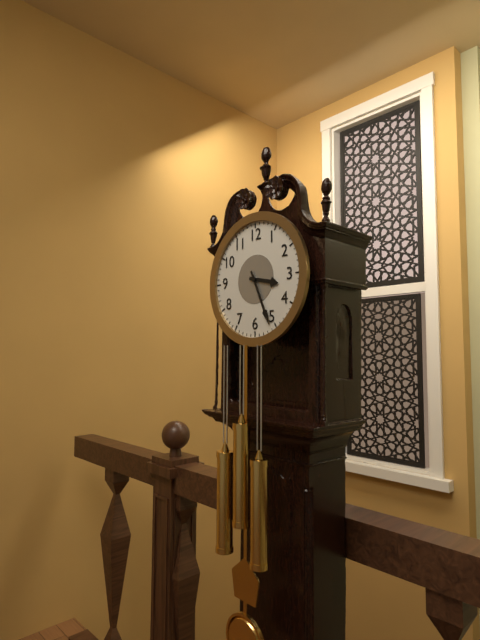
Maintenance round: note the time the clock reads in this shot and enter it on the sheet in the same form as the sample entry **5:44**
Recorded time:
**3:26**
